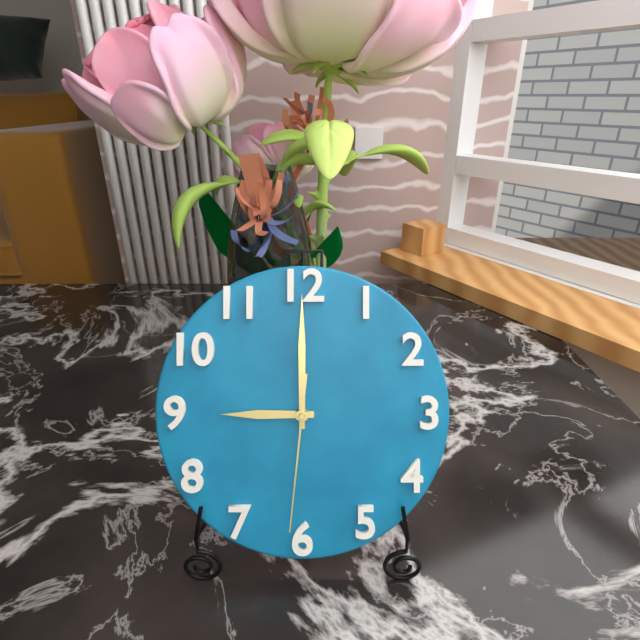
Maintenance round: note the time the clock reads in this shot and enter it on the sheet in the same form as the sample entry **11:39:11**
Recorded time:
**9:00:31**
